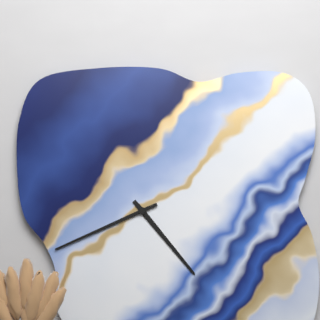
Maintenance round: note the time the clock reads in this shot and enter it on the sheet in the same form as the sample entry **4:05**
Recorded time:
**4:41**
